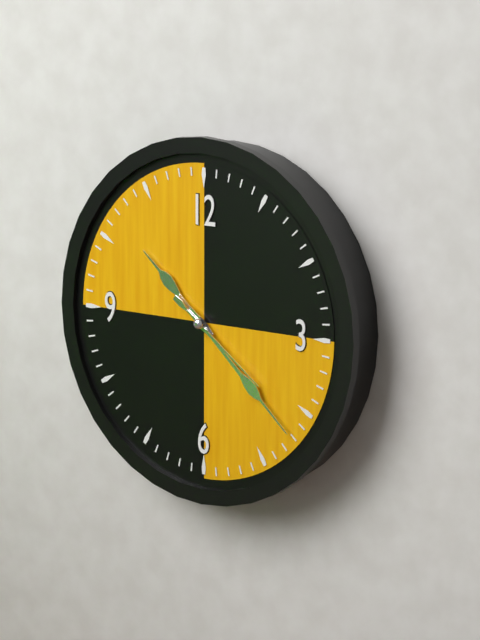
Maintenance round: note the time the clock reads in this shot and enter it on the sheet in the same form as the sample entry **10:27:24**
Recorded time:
**10:22:21**
